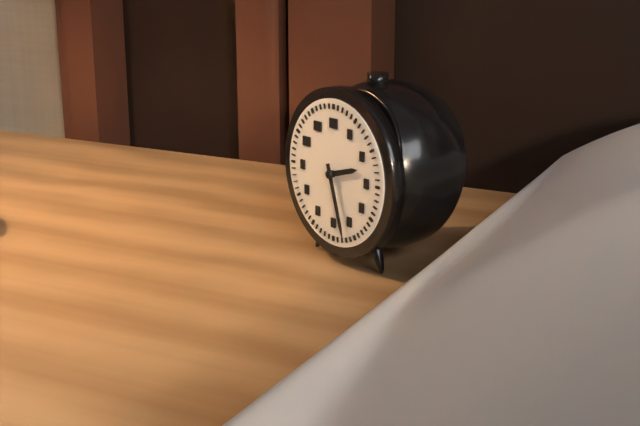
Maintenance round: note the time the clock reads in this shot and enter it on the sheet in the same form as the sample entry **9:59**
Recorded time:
**2:27**
